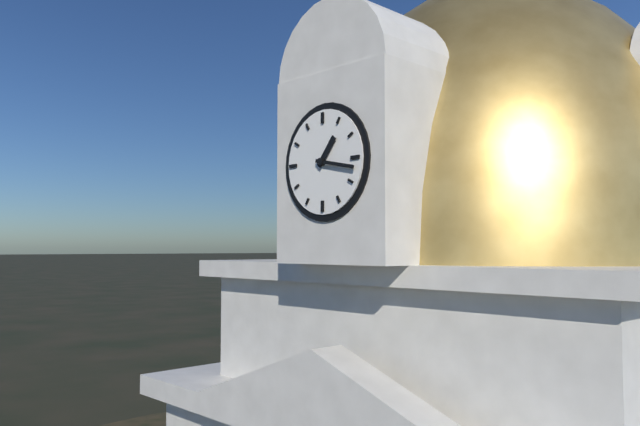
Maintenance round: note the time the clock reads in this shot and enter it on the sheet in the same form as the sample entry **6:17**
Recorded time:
**1:17**
